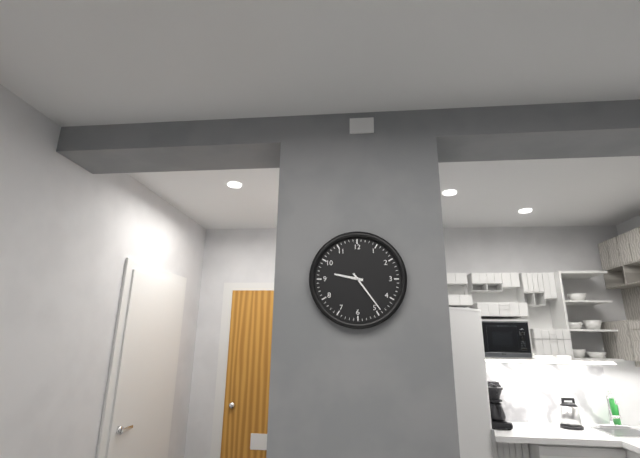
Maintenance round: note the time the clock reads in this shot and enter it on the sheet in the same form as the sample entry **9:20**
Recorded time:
**9:24**
